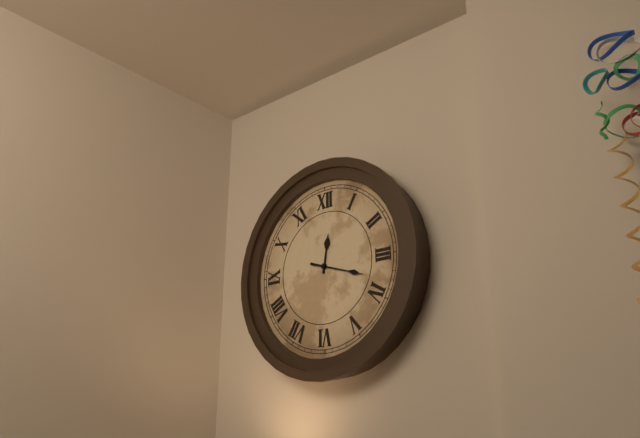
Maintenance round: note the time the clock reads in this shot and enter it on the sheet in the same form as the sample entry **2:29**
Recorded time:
**12:18**
